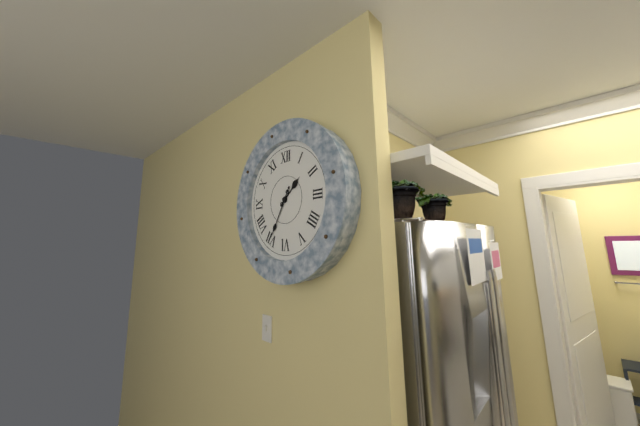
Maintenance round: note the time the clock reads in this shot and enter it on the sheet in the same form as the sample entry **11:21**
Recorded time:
**1:35**
